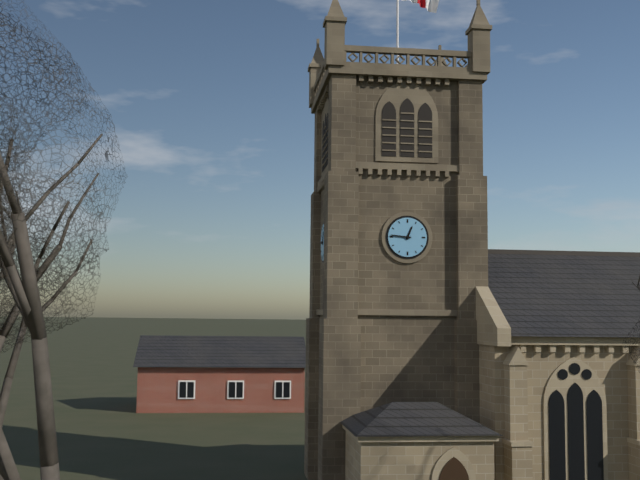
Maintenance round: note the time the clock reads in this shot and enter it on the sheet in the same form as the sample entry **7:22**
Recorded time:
**12:46**
